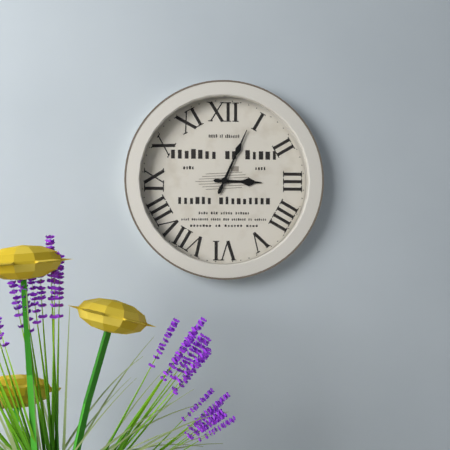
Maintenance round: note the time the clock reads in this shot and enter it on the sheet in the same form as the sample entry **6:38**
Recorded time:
**3:04**
